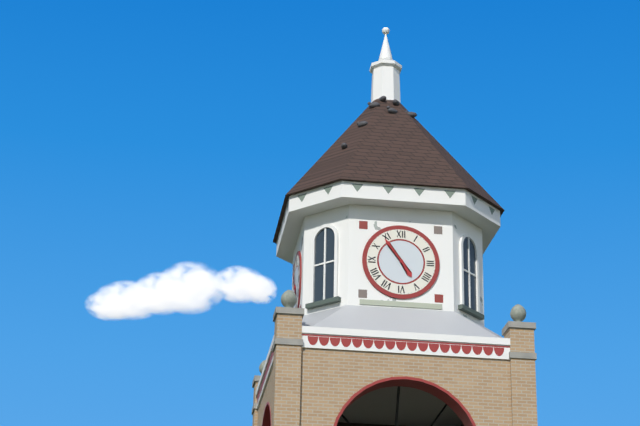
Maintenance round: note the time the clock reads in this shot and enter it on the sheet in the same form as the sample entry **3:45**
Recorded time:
**4:54**
